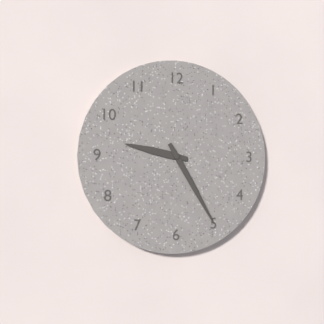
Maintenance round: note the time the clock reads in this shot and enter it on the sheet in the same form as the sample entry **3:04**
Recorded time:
**9:25**
